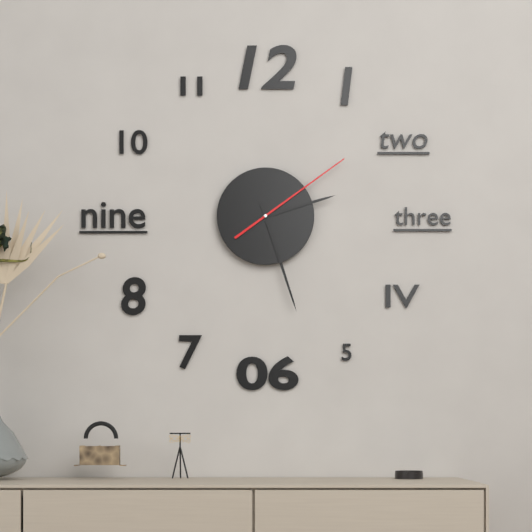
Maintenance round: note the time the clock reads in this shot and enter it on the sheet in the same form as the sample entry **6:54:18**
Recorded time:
**2:27:09**
